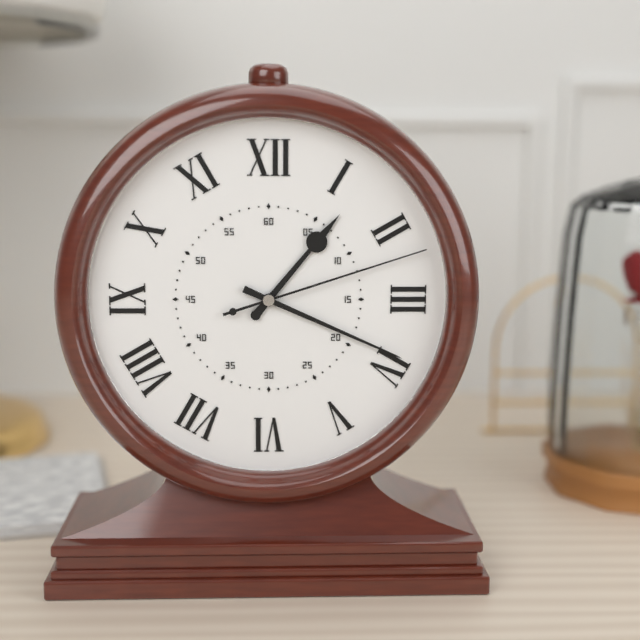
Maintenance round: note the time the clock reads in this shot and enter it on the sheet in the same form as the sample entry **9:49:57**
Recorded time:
**1:19:12**
